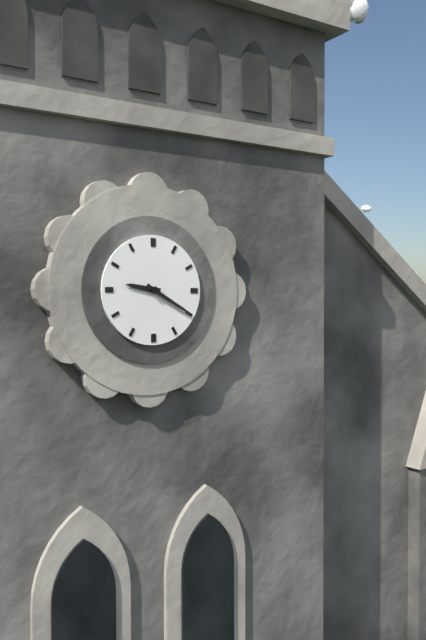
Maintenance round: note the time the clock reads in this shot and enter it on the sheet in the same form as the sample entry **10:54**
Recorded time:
**9:20**
